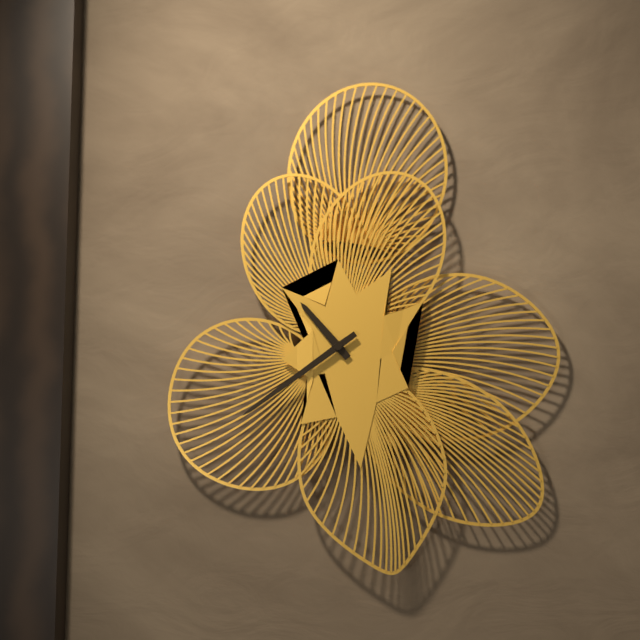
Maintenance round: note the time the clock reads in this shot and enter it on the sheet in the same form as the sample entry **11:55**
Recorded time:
**10:39**
